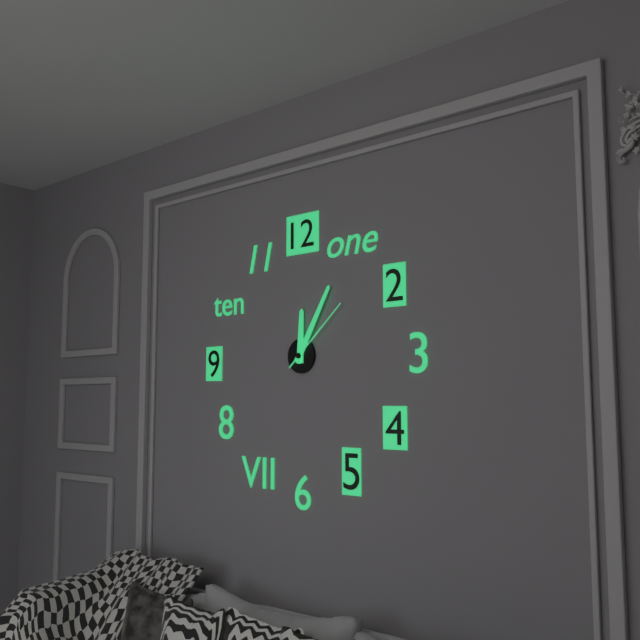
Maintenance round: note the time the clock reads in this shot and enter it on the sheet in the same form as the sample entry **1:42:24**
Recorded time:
**12:05:08**
